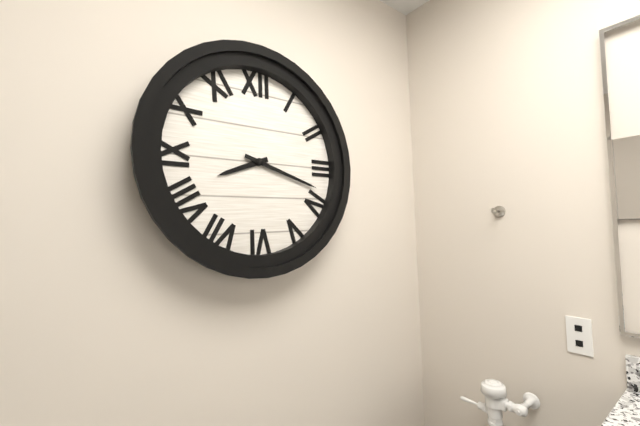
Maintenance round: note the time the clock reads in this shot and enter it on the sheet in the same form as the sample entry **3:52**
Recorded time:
**8:18**
